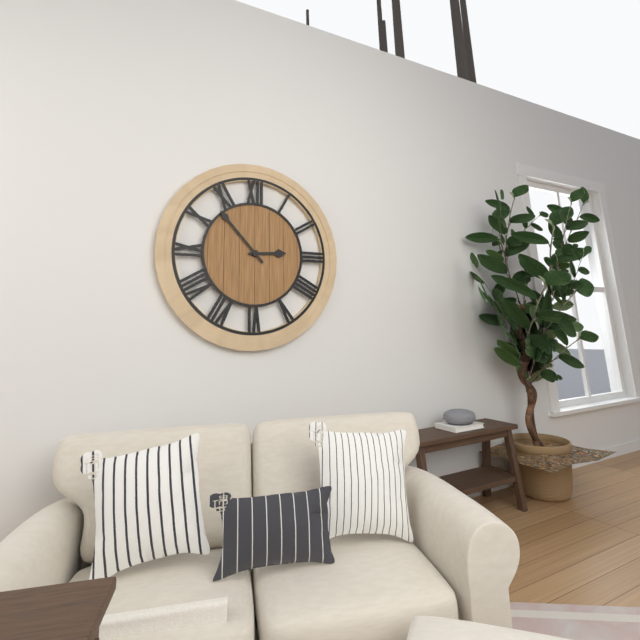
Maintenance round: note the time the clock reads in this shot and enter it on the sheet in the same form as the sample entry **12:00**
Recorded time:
**2:53**
